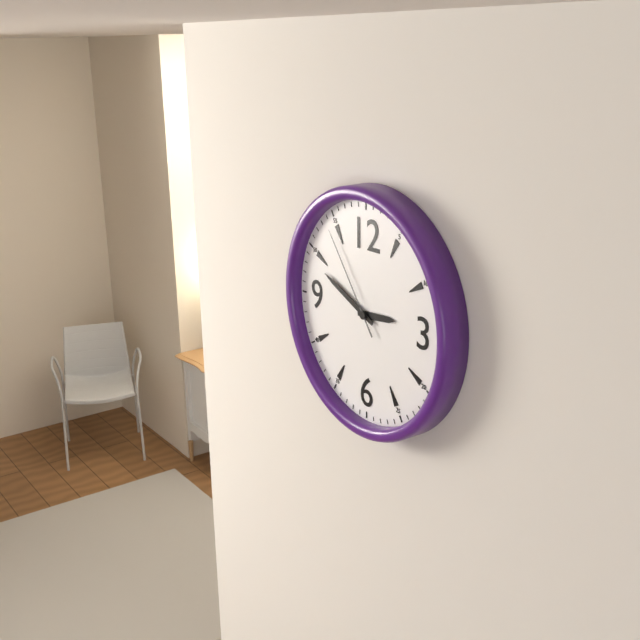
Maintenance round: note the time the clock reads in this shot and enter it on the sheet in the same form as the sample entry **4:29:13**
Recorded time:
**2:49:54**
